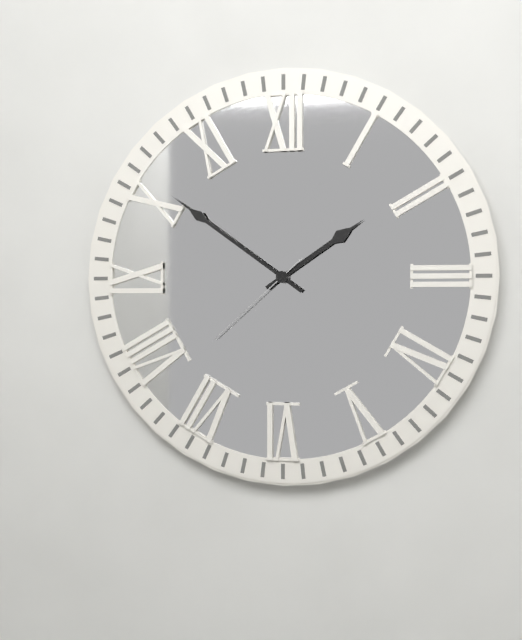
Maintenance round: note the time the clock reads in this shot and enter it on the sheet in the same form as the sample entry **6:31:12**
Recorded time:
**1:51:38**
